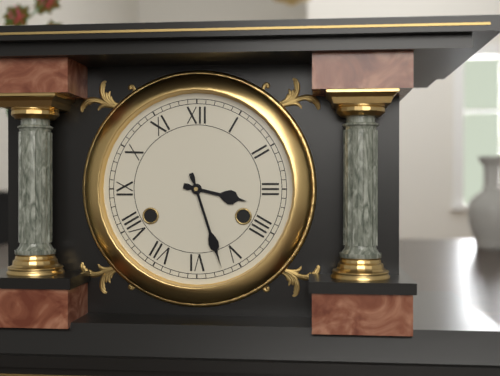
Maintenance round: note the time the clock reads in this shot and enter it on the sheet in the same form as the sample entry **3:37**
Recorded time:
**3:27**
